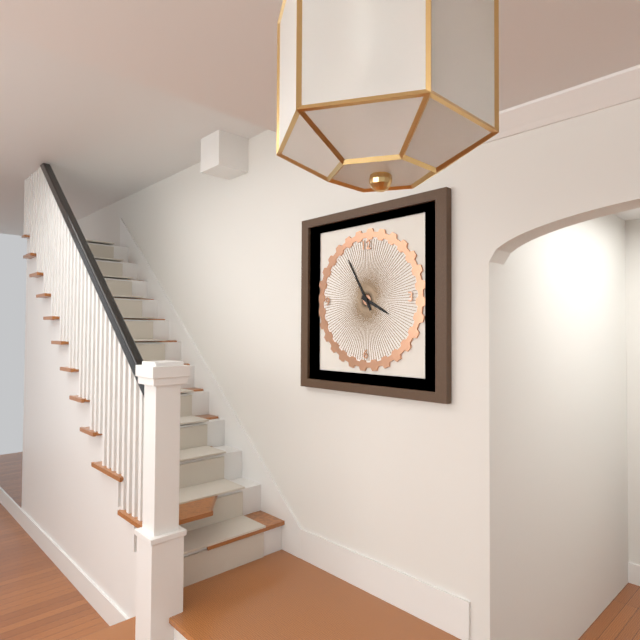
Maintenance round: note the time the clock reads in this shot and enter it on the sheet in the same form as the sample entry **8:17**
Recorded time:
**3:55**
